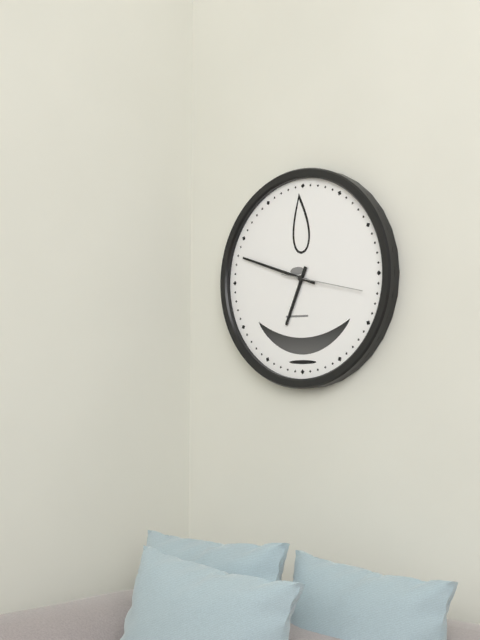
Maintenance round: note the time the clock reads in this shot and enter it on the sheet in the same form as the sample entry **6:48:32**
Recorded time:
**6:48:17**
